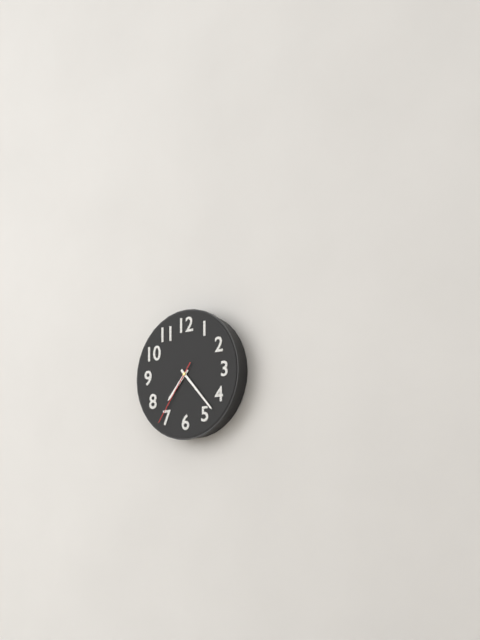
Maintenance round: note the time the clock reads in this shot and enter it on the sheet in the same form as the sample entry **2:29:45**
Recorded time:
**7:23:36**
